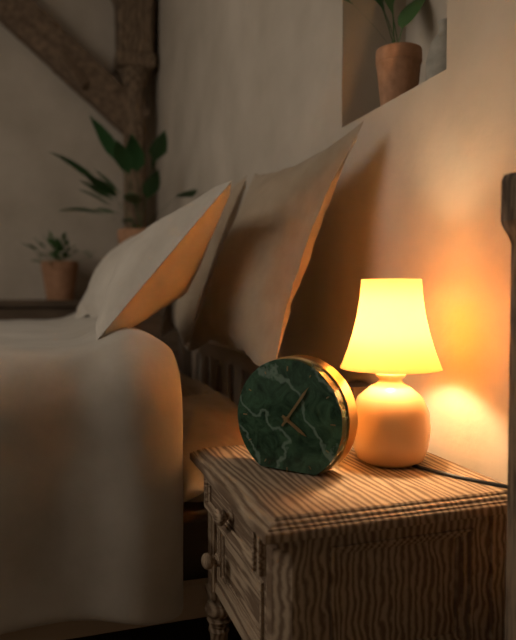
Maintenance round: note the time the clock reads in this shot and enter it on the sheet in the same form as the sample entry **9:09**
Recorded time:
**4:06**
